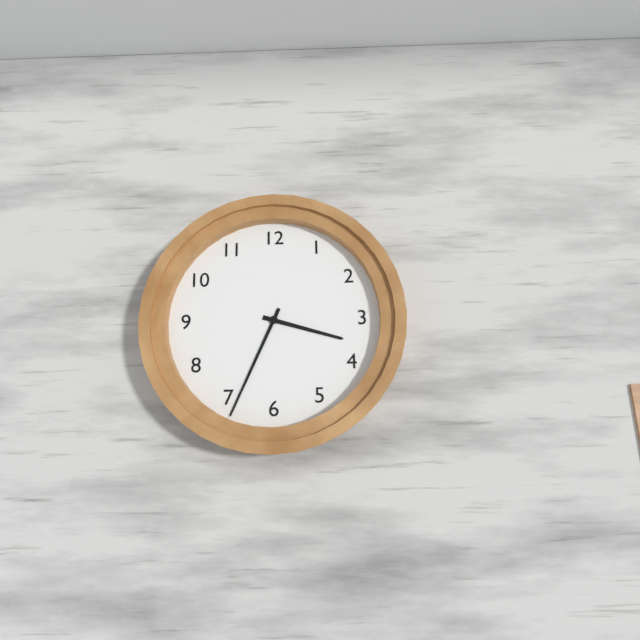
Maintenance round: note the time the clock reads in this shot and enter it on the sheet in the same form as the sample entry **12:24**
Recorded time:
**3:34**
